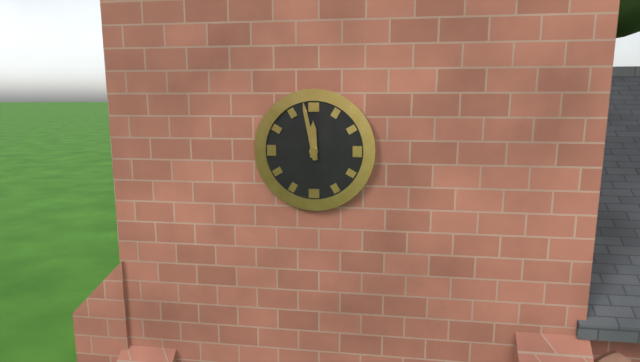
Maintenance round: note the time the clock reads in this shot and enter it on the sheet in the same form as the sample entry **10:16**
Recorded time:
**11:58**
